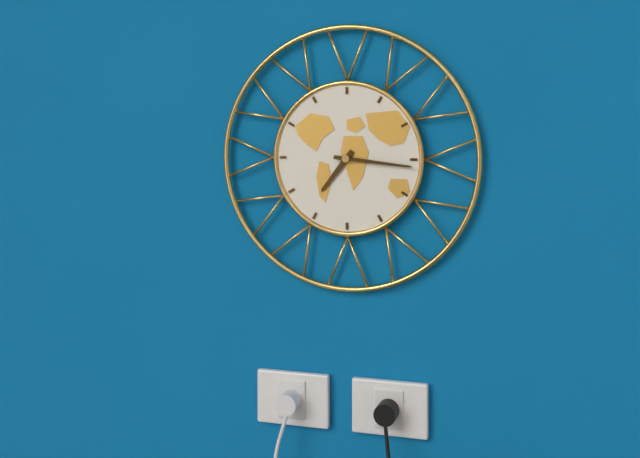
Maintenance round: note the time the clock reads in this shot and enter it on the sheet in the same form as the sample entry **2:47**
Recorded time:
**7:16**
